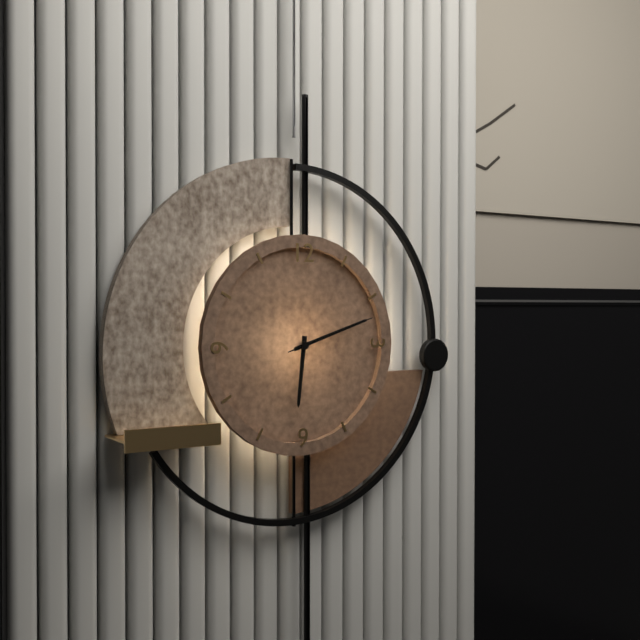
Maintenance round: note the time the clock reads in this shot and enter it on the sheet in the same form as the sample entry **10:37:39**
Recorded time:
**6:12:12**
